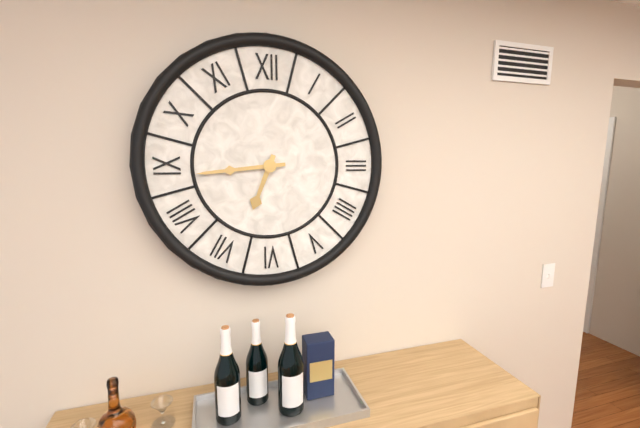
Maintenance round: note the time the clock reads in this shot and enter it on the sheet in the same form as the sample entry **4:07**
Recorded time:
**6:44**
